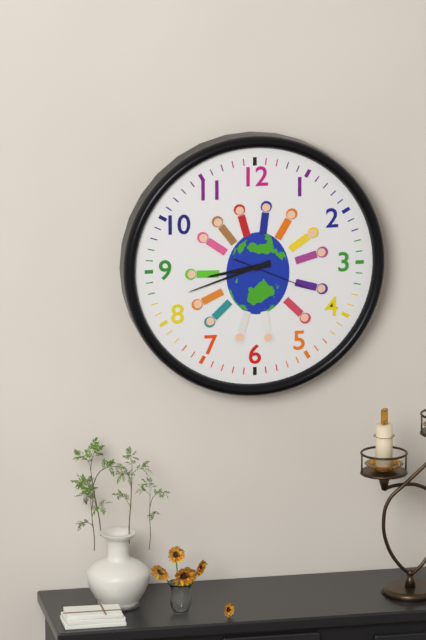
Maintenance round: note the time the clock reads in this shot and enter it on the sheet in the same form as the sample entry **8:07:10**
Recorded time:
**8:42:19**
